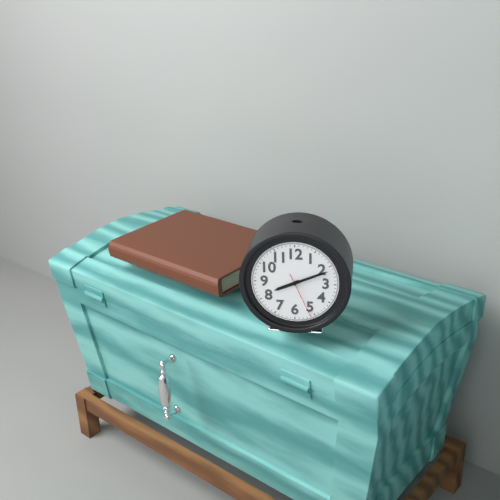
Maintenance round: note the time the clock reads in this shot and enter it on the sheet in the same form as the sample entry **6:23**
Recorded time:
**8:11**
